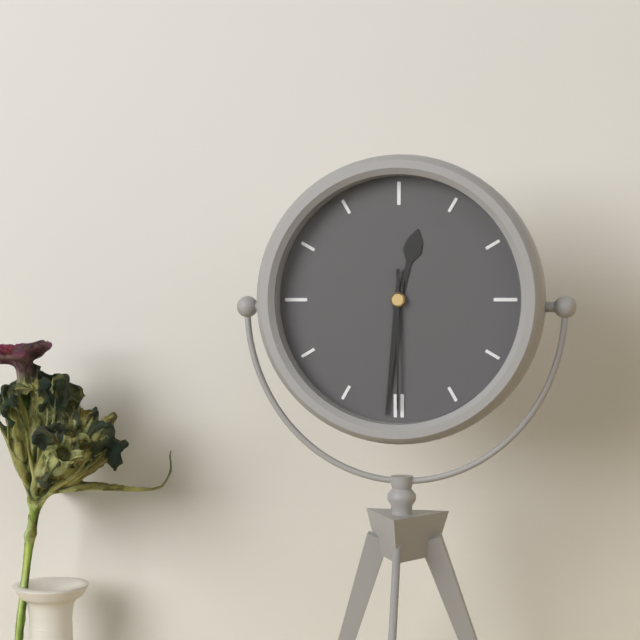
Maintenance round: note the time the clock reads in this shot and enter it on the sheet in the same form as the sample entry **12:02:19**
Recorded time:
**12:31:30**
